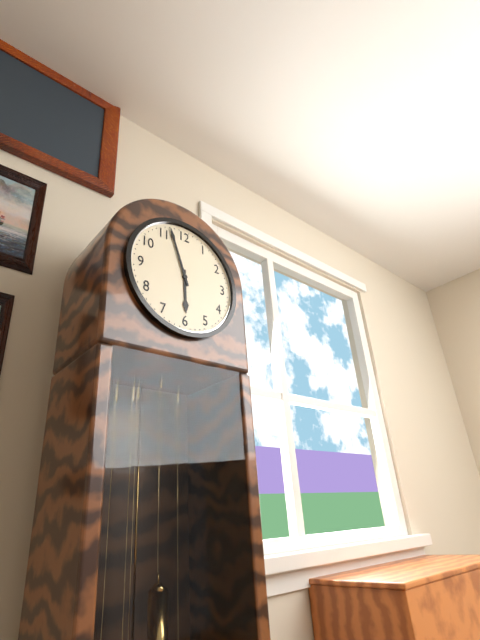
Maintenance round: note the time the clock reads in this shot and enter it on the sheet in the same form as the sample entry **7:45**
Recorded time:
**5:57**
